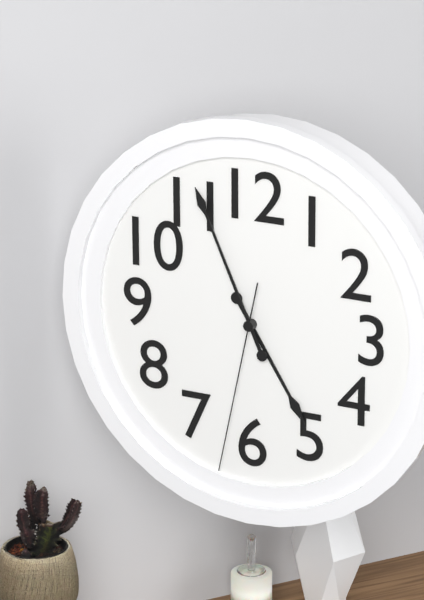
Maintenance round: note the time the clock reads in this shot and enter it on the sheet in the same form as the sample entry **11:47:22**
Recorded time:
**4:56:32**
